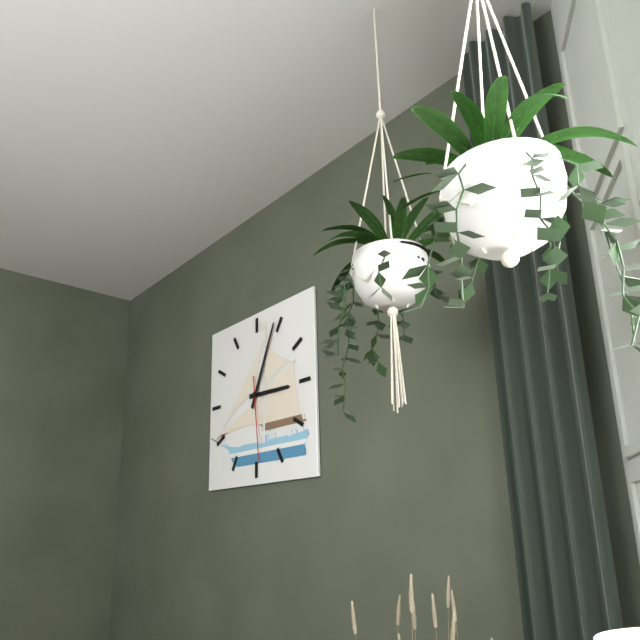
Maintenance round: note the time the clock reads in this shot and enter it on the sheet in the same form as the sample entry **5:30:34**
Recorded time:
**3:04:29**
